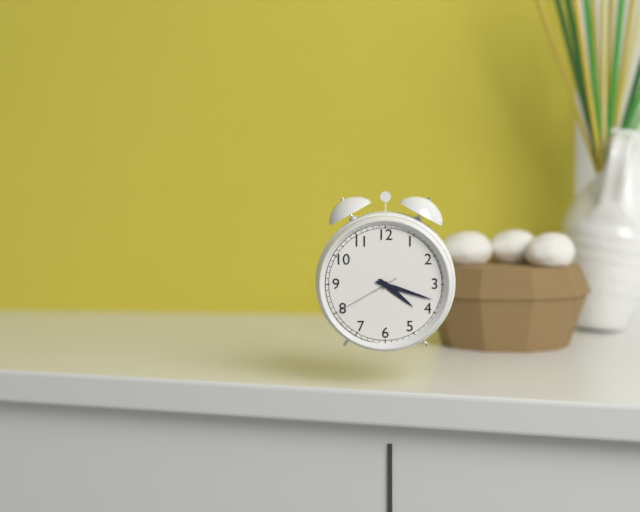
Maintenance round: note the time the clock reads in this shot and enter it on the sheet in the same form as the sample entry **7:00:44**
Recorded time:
**4:18:40**
